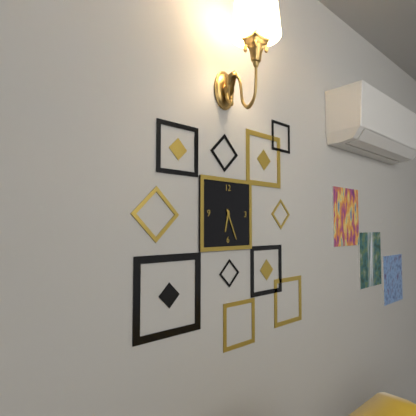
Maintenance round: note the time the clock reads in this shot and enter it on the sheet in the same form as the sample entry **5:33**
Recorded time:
**6:26**
